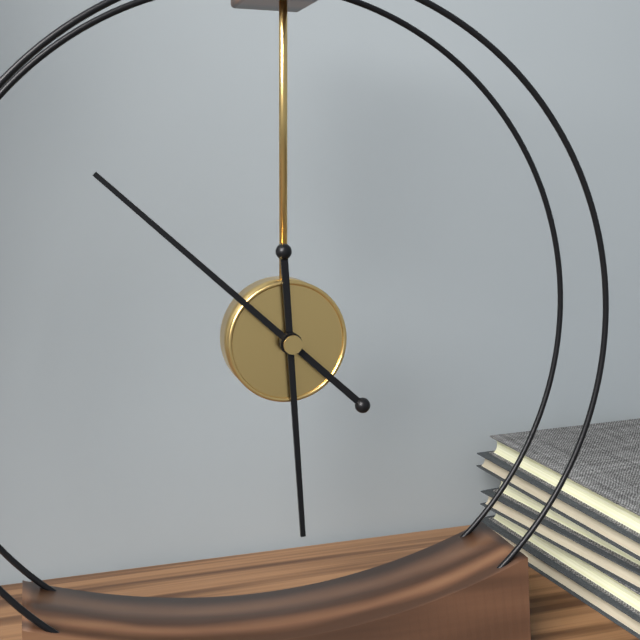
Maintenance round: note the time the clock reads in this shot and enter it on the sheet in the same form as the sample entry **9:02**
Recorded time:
**5:52**
